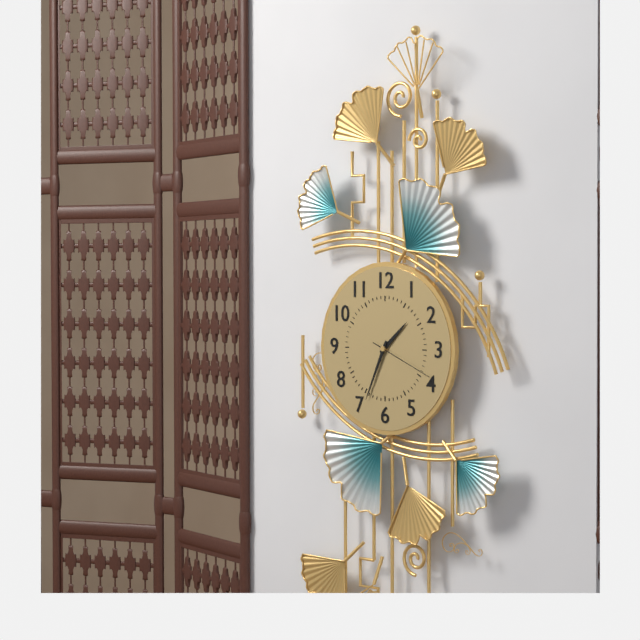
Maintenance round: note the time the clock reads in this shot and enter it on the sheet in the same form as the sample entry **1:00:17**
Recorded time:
**1:34:19**
